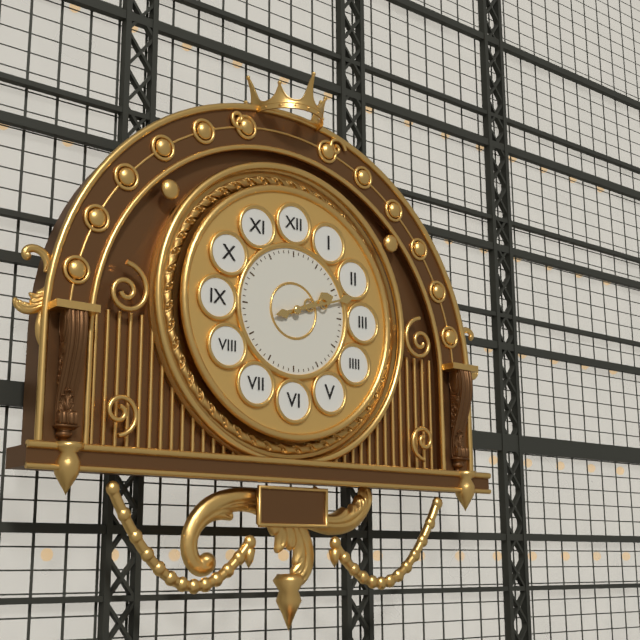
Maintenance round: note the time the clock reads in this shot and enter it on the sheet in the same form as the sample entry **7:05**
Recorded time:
**2:12**
